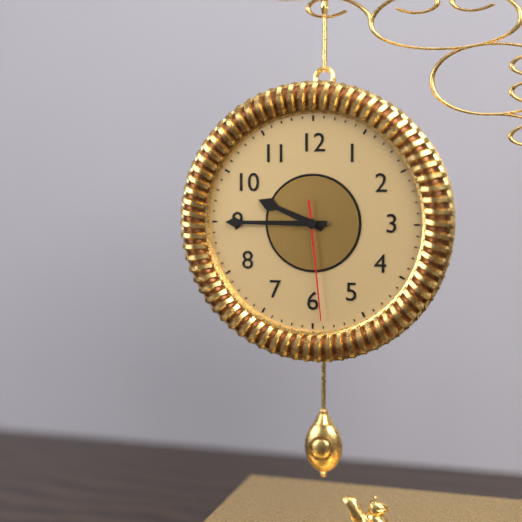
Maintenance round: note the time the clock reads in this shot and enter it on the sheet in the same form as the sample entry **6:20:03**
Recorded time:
**9:45:29**
